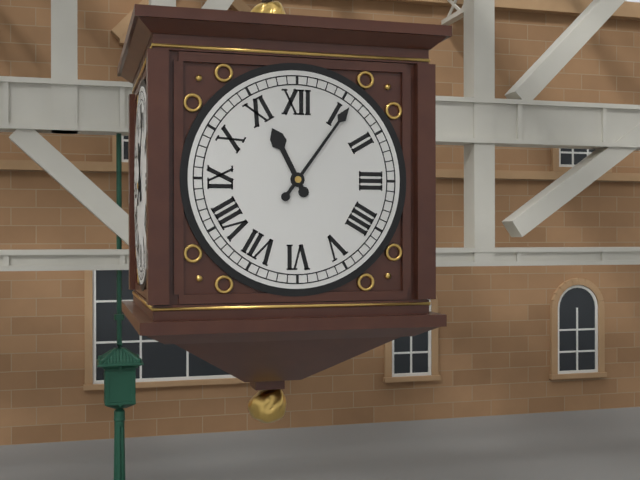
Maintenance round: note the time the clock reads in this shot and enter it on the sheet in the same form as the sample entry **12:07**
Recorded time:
**11:06**
